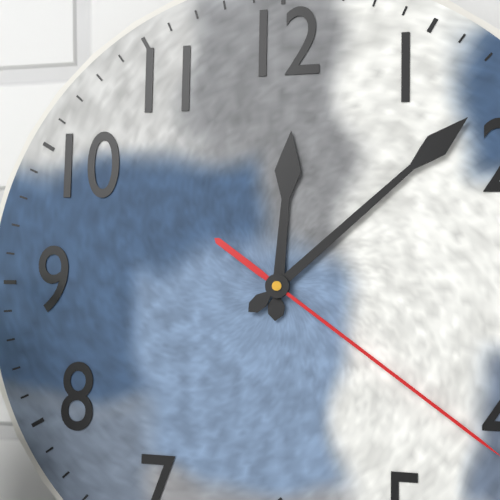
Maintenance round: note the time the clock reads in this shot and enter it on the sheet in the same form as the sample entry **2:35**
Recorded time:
**12:08**
